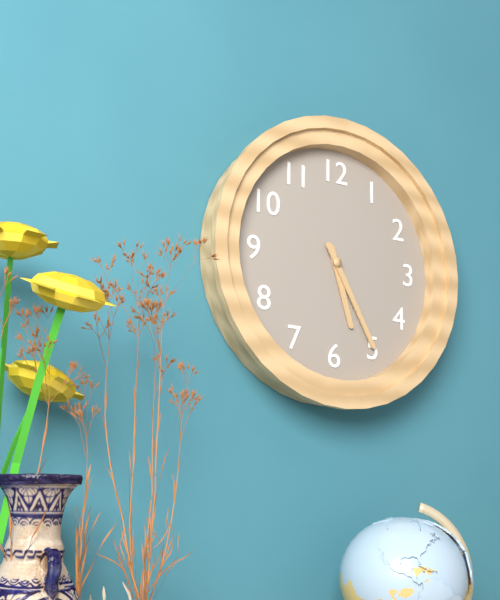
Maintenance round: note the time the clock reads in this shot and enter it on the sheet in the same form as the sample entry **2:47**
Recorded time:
**5:25**
